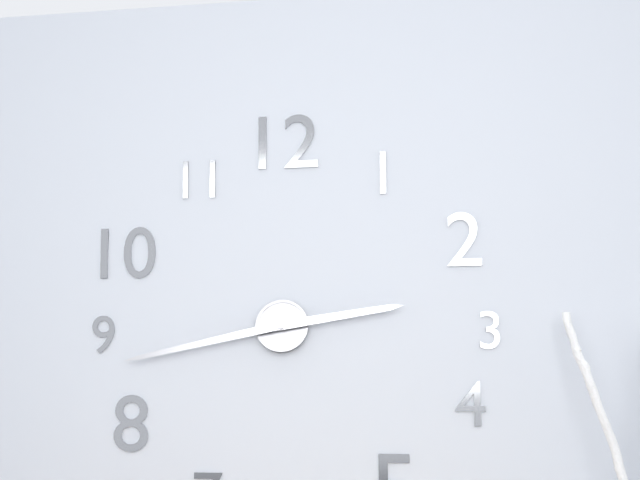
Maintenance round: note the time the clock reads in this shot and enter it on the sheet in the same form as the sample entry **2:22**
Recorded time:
**2:43**
